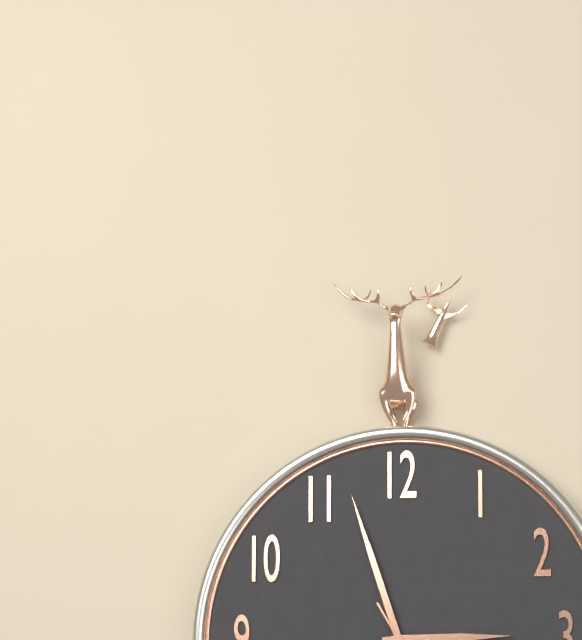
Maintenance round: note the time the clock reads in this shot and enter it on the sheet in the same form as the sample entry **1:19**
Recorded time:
**2:57**
